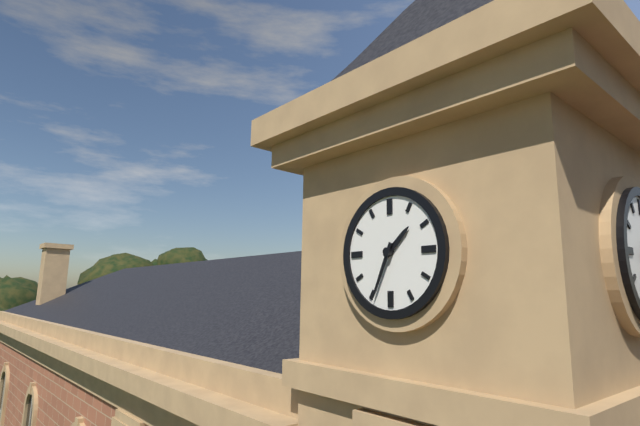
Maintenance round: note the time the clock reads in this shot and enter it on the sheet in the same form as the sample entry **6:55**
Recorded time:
**1:34**
